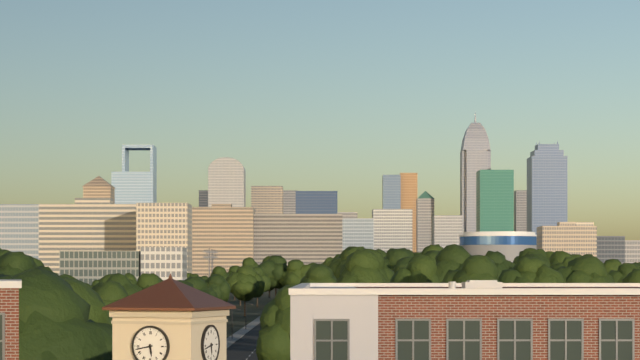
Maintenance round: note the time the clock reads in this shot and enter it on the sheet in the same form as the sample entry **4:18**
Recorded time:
**5:43**
